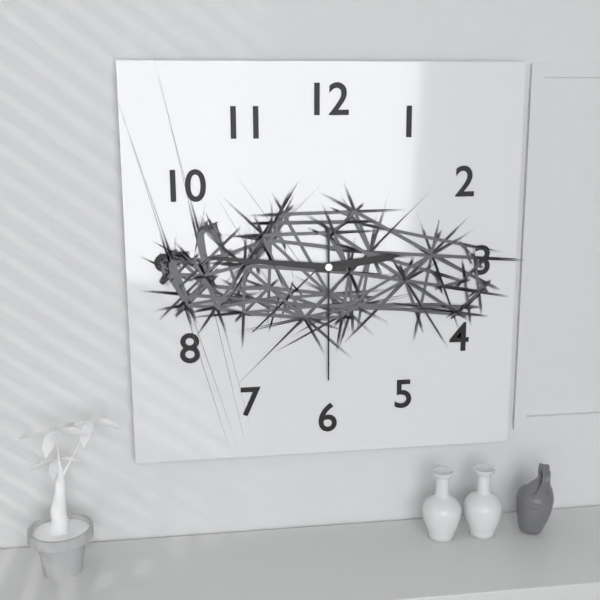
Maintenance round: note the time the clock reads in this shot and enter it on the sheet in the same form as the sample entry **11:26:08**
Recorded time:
**2:46:30**
